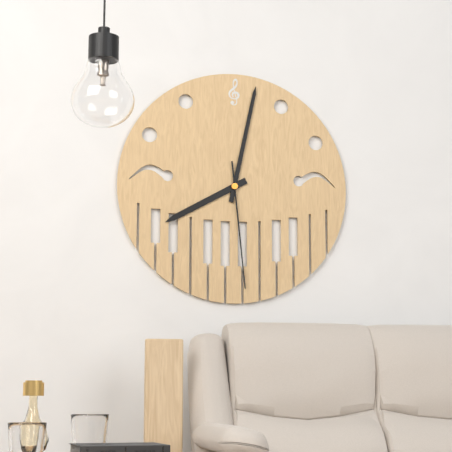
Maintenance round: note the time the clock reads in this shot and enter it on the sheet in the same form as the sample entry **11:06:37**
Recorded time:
**8:02:29**
